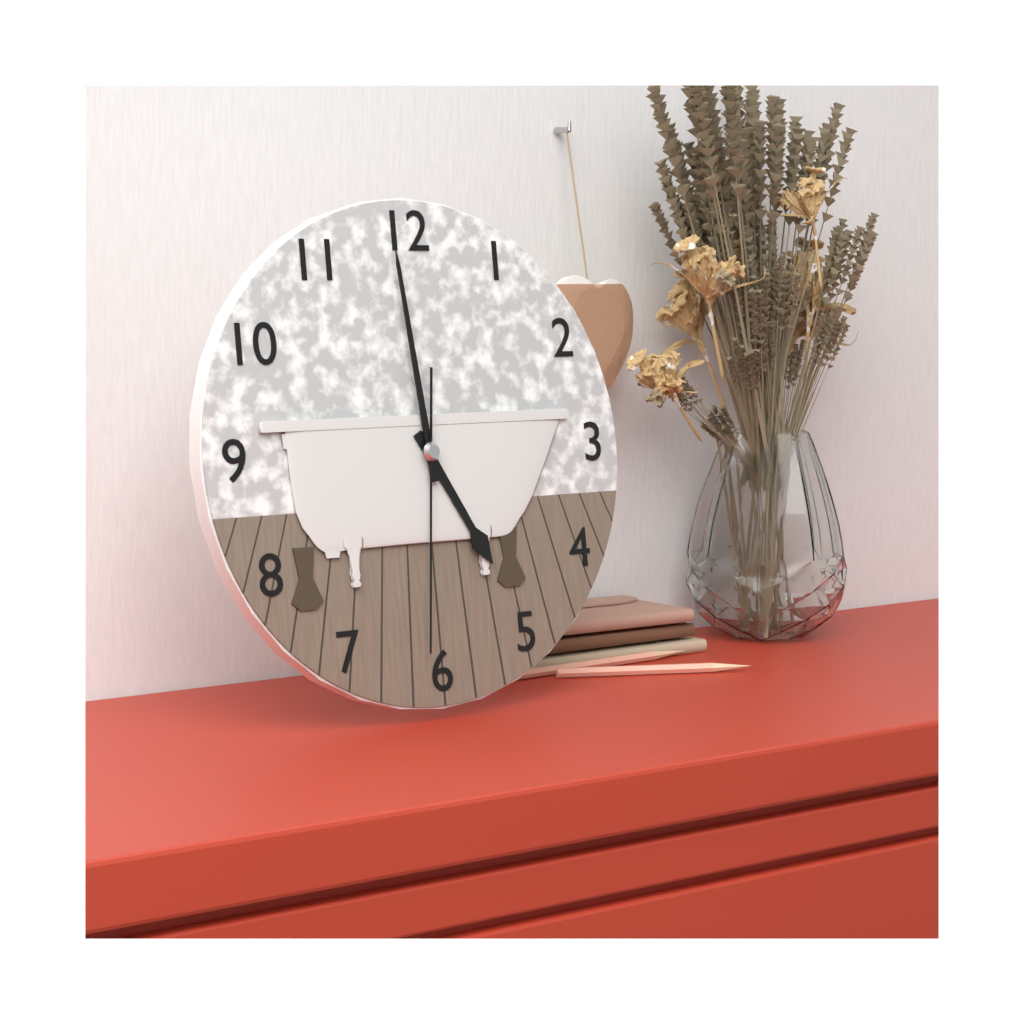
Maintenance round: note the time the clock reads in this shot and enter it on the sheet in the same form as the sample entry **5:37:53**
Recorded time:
**4:59:31**
